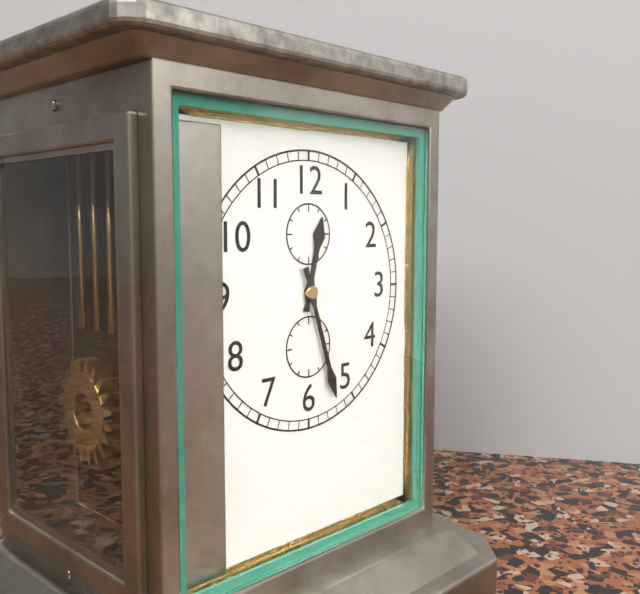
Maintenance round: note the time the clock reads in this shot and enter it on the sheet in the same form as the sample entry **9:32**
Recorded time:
**12:27**
